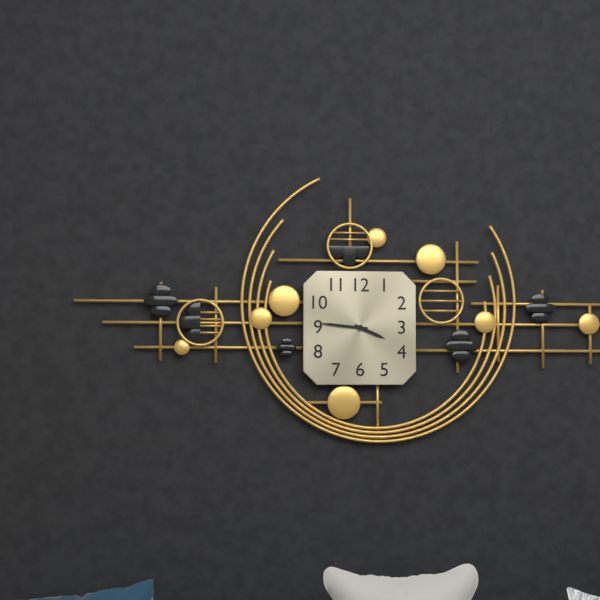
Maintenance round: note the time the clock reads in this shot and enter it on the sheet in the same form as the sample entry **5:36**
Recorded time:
**3:46**
